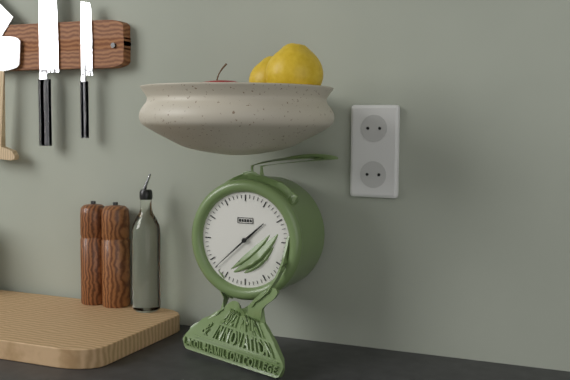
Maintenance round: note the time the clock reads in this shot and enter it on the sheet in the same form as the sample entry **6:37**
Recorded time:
**1:38**
